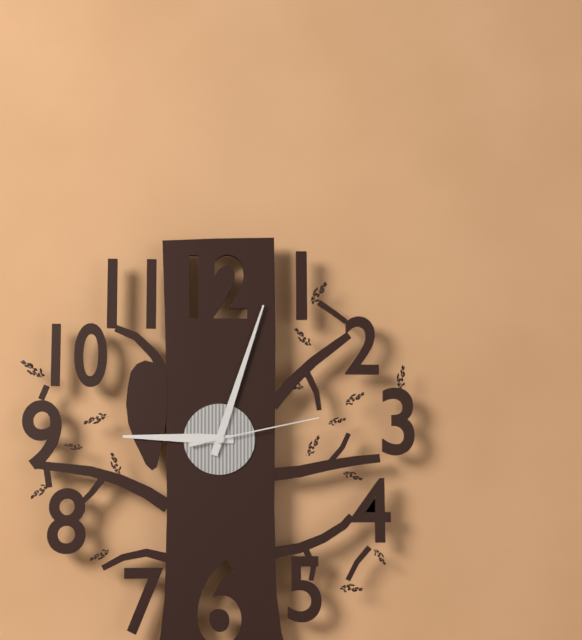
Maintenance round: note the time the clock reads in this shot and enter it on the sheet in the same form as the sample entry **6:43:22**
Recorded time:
**9:03:13**
